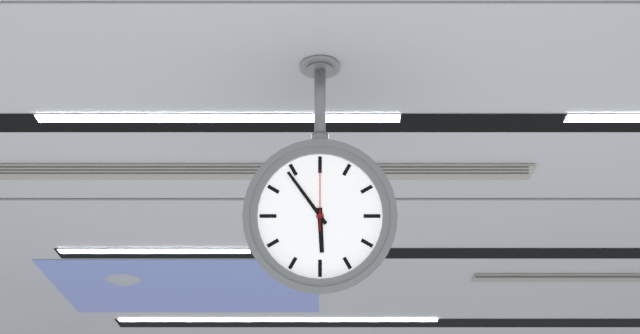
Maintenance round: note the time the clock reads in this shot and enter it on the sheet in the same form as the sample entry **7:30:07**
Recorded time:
**5:54:00**
